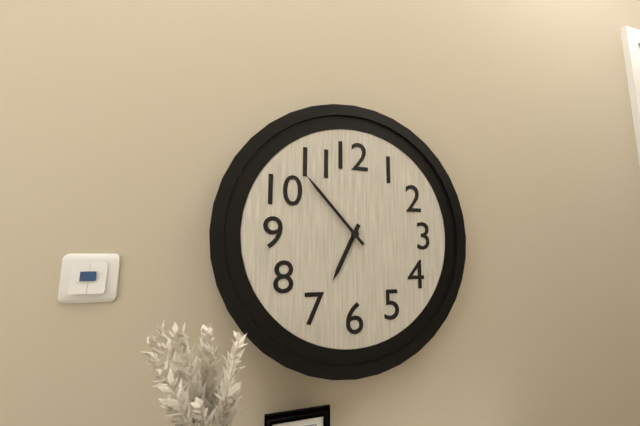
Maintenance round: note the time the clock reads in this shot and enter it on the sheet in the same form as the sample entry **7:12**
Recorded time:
**6:53**
